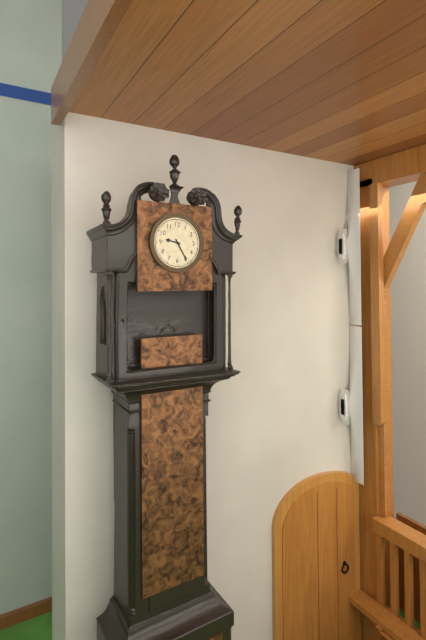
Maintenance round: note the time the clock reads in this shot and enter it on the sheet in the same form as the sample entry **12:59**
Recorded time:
**9:25**
